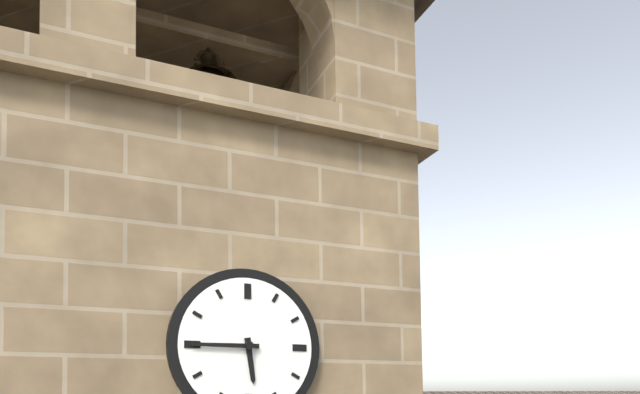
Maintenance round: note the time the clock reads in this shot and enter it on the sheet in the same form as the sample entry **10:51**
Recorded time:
**5:45**
